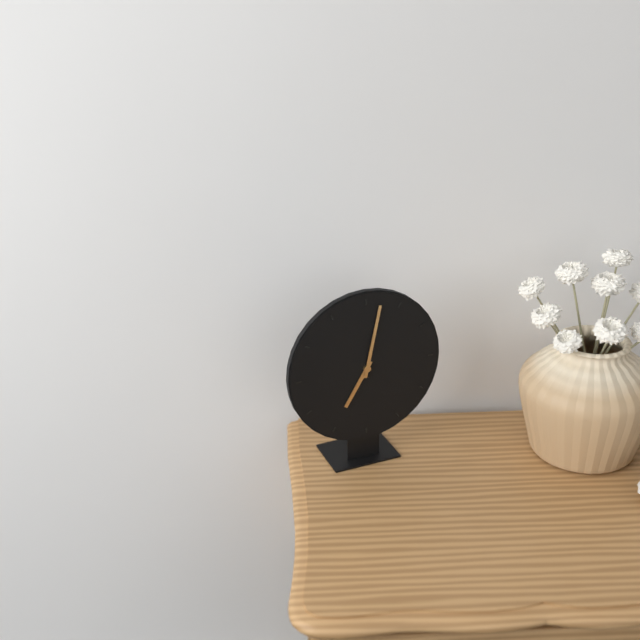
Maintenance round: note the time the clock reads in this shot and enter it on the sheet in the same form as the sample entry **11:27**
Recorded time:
**7:02**
